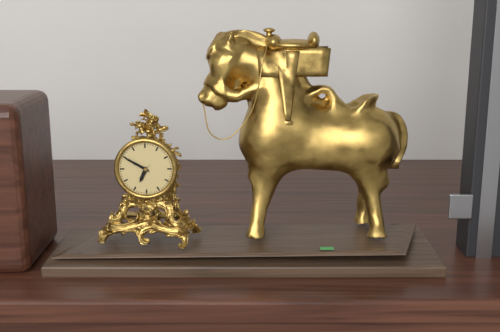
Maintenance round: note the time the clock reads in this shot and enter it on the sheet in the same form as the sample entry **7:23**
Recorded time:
**6:50**
